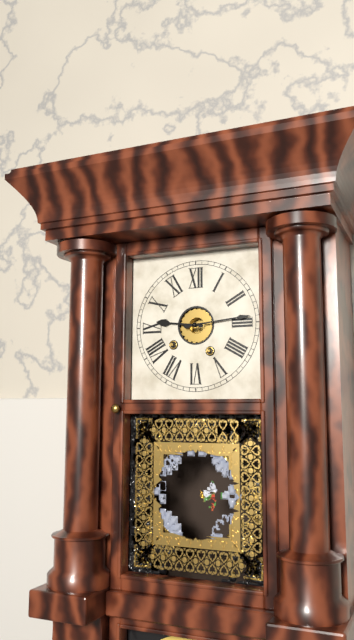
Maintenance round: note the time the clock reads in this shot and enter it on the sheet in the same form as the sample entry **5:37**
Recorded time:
**9:14**
